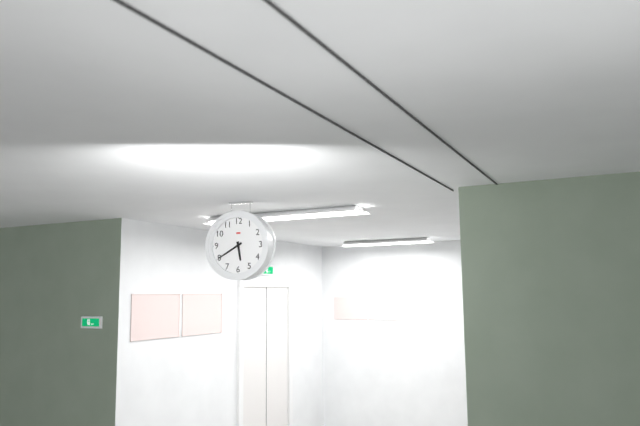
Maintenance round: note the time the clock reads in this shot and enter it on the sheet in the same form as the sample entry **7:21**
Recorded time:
**5:40**
